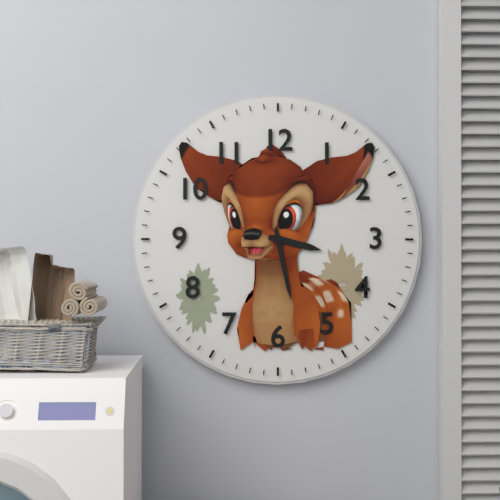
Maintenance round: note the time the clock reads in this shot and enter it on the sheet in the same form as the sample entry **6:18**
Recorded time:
**3:28**
